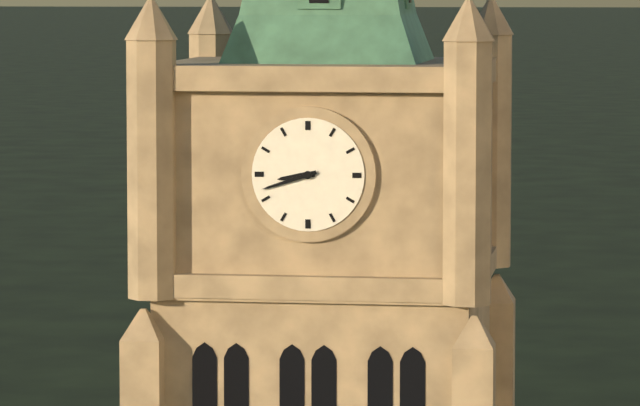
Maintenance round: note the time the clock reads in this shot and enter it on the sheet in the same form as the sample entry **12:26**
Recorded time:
**8:42**
